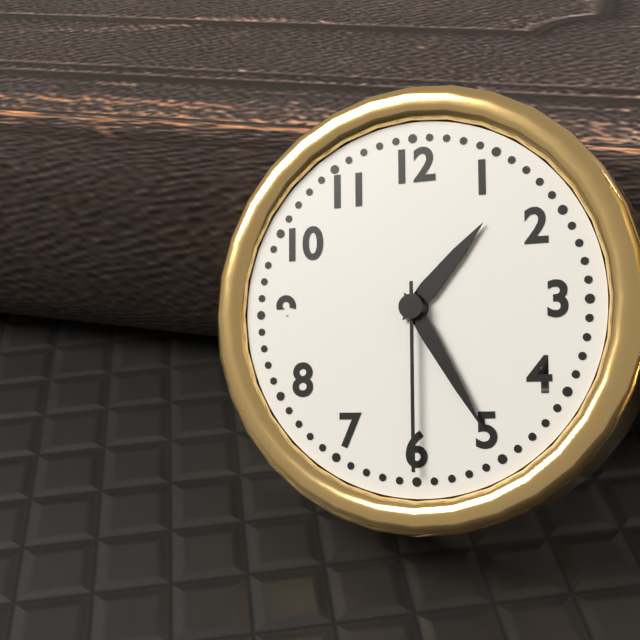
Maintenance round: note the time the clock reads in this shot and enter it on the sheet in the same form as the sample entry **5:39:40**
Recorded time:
**1:25:30**
